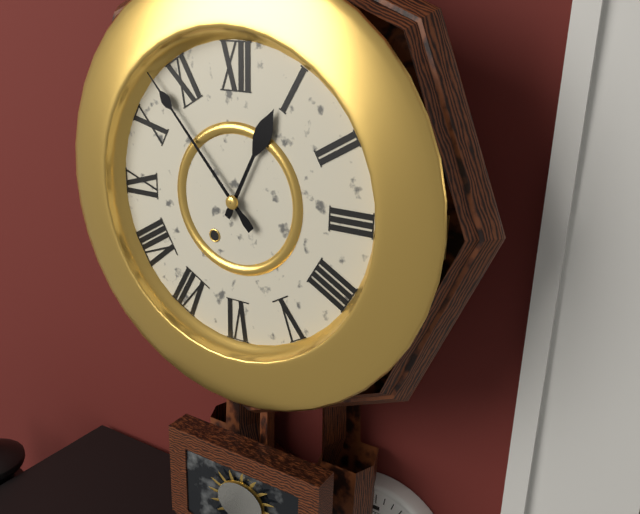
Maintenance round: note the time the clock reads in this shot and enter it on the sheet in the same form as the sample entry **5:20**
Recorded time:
**12:53**
